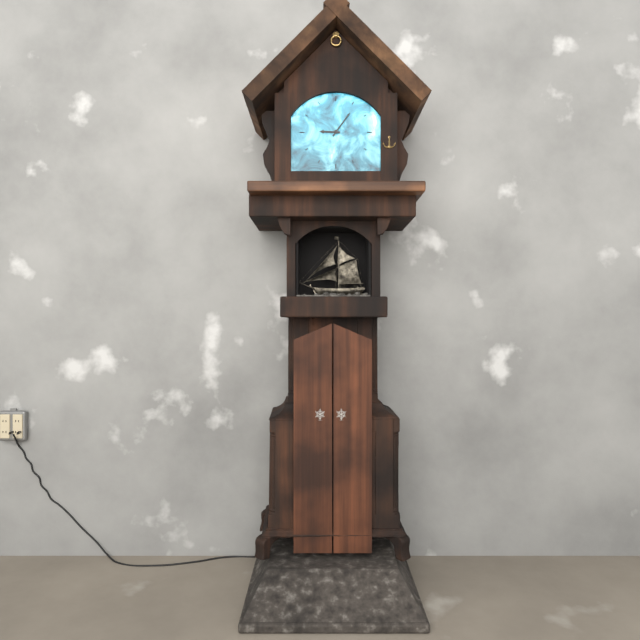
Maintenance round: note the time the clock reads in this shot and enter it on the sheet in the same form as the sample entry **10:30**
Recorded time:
**9:06**
